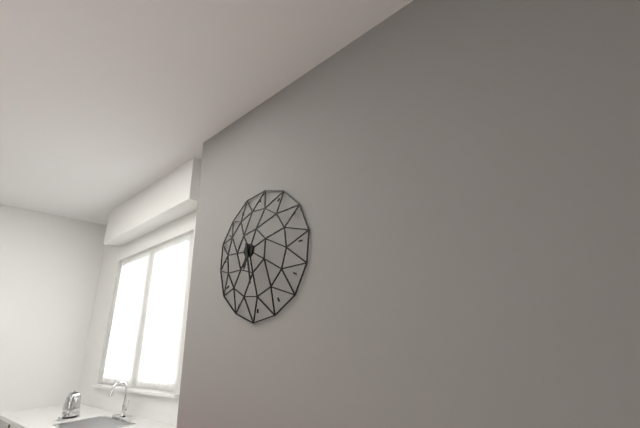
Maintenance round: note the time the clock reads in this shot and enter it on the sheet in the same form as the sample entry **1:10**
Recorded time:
**6:28**
